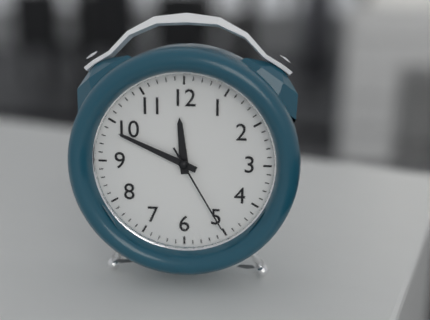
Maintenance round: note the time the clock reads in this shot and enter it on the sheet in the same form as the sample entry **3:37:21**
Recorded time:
**11:49:25**
